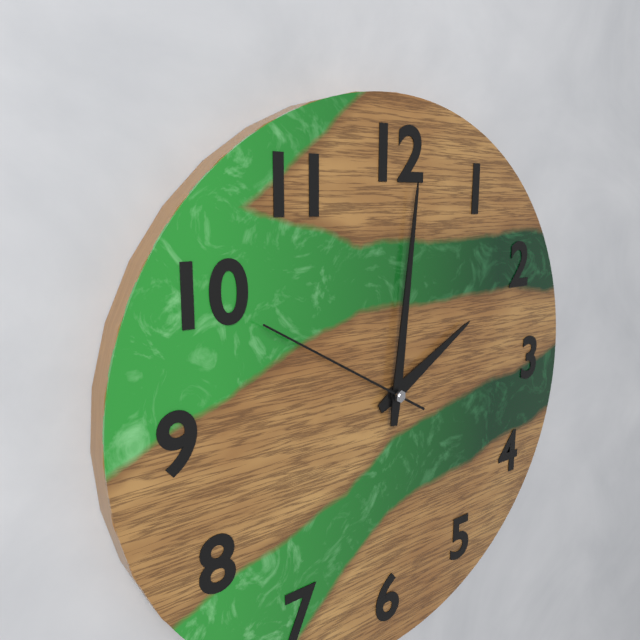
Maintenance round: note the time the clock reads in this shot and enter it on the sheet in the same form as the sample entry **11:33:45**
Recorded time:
**2:01:50**
